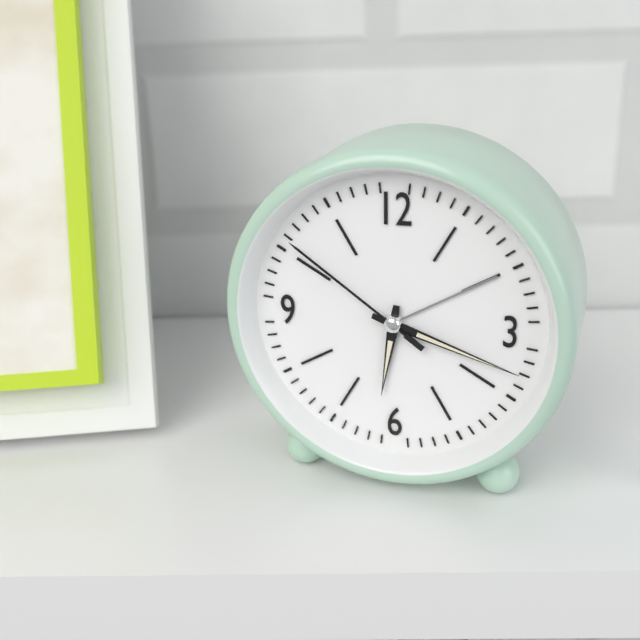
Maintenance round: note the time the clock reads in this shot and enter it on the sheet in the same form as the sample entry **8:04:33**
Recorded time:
**6:18:51**
